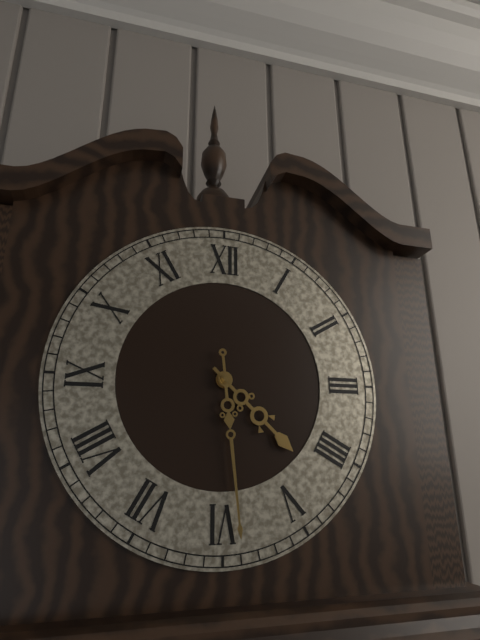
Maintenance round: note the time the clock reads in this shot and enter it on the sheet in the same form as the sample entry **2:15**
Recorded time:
**4:29**
